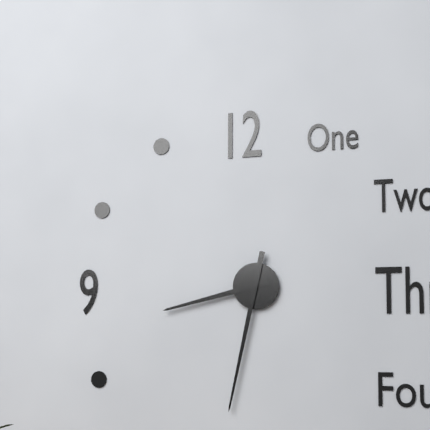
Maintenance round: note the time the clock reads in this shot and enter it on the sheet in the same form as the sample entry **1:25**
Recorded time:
**8:32**
